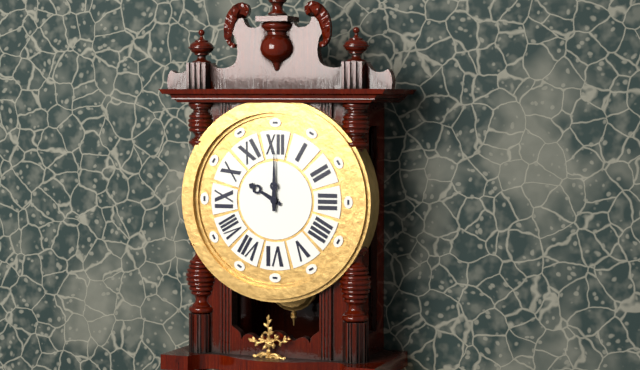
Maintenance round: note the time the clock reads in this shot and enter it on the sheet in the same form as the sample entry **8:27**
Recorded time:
**10:00**
